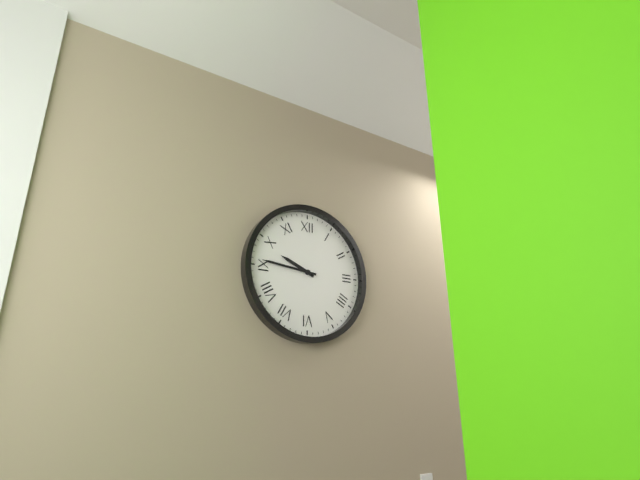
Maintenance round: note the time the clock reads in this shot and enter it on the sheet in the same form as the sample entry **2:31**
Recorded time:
**9:46**
